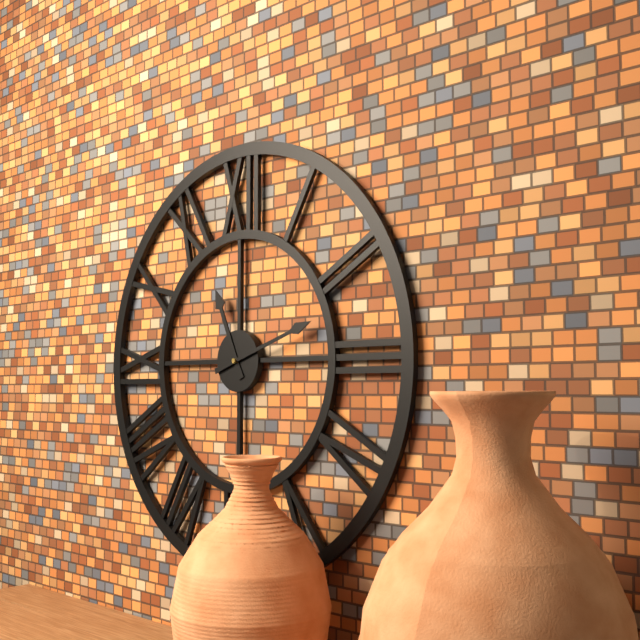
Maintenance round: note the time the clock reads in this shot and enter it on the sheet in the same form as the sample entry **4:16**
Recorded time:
**11:12**
